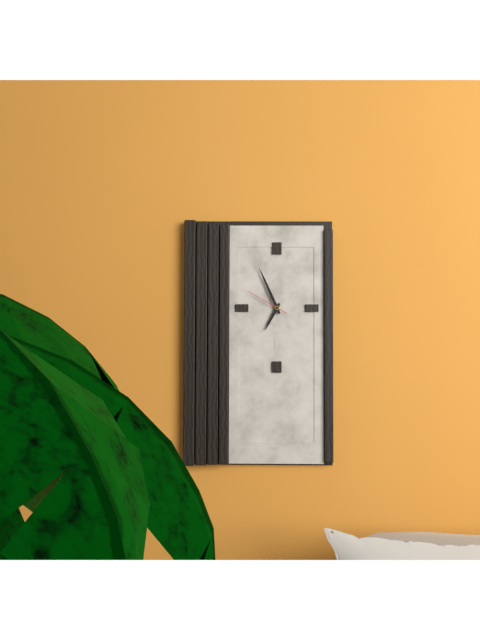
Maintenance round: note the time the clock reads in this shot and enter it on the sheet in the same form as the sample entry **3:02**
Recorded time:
**6:56**
